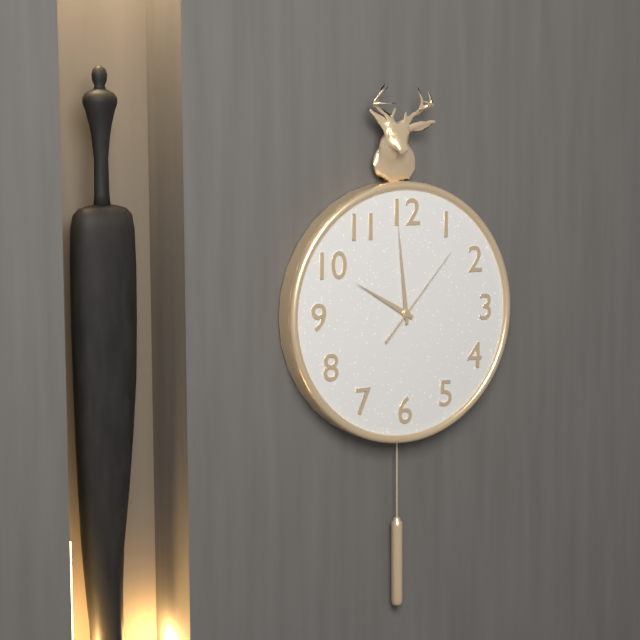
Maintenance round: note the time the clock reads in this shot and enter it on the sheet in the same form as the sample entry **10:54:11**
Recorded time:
**9:59:07**
